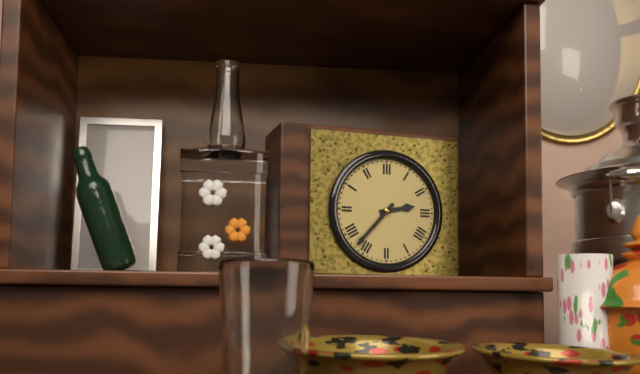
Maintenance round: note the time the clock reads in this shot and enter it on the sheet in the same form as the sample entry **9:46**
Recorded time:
**2:37**
